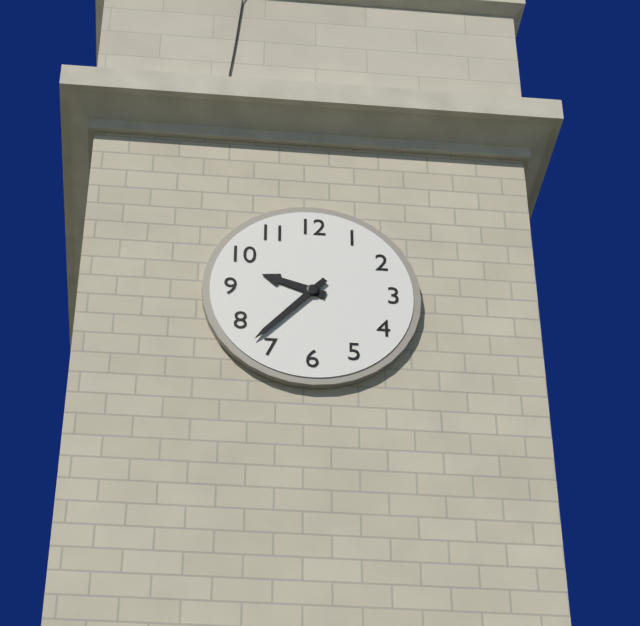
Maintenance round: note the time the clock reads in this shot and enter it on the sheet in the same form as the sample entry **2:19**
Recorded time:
**9:37**
